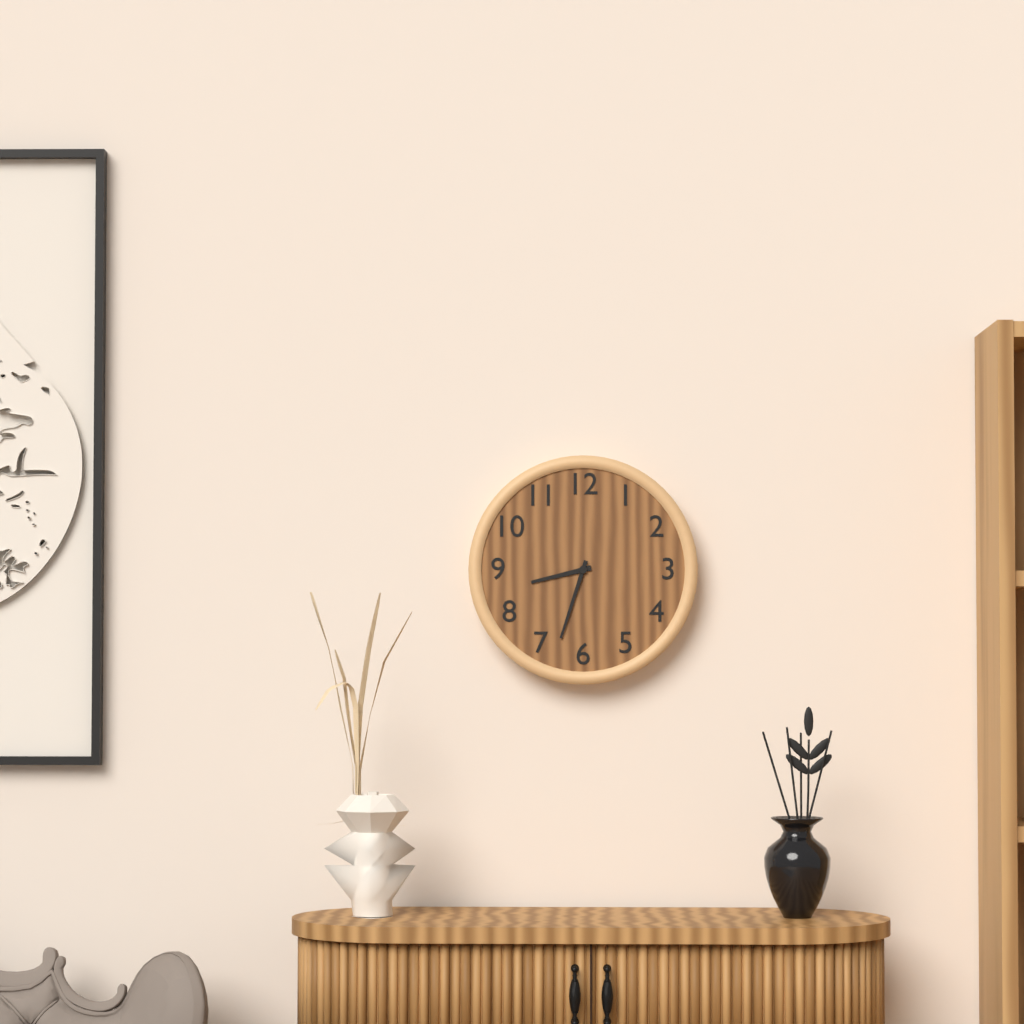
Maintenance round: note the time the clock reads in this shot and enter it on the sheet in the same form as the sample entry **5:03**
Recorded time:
**8:33**
